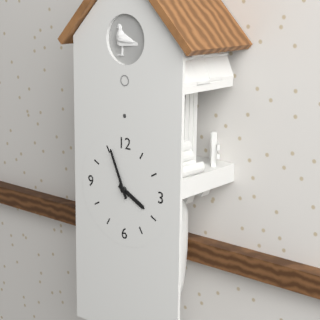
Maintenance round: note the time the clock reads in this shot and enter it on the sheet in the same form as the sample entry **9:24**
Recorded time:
**3:56**
